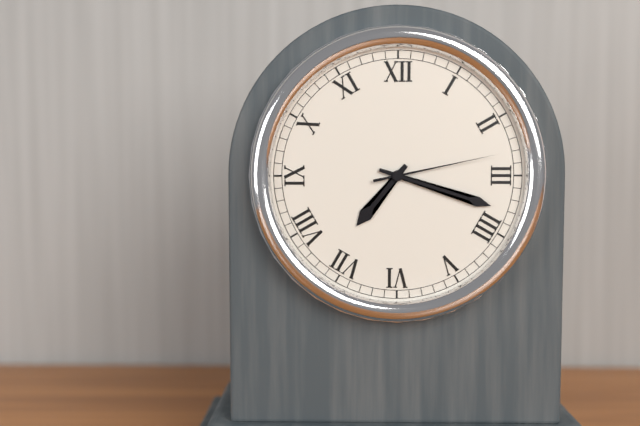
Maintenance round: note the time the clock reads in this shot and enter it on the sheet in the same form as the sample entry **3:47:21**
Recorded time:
**7:18:13**
